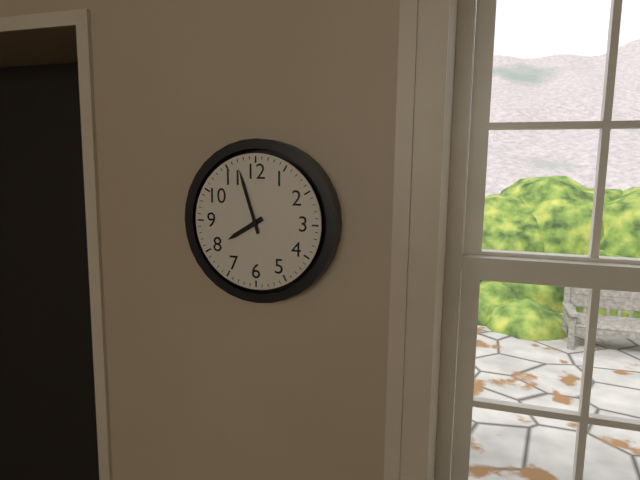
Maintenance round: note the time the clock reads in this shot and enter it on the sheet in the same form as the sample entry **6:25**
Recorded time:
**7:57**
